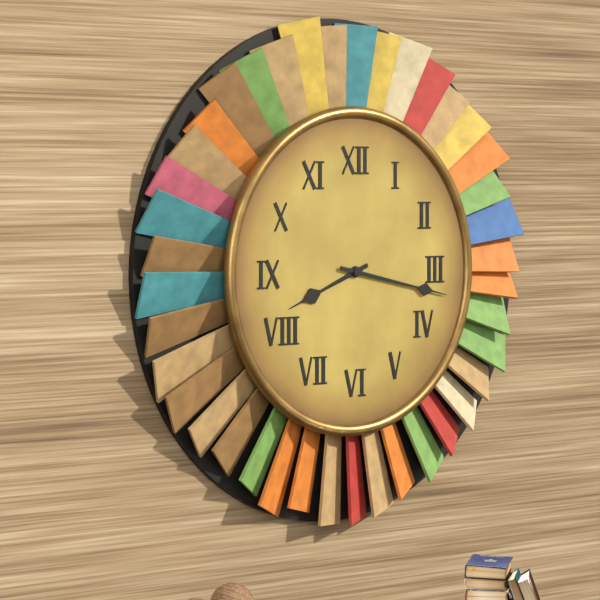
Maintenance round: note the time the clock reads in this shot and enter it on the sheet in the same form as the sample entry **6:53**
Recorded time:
**8:17**
